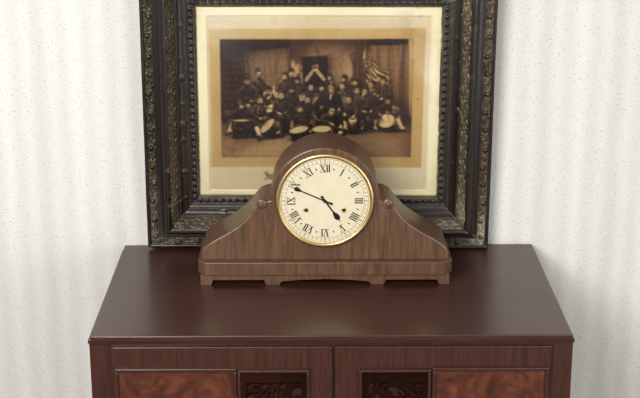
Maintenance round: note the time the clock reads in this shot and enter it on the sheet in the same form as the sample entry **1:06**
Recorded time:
**4:49**
